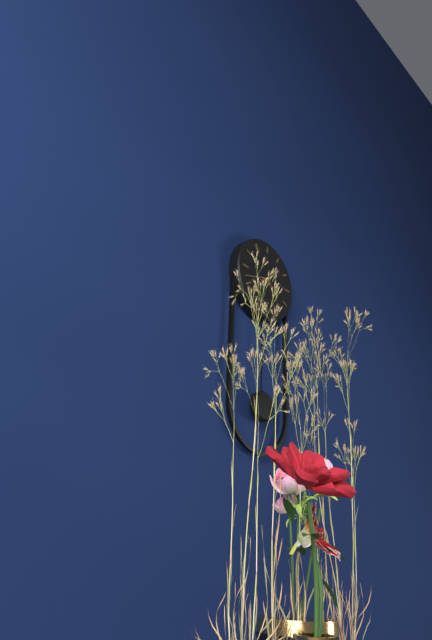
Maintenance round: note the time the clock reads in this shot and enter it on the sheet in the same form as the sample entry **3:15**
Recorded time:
**4:42**
